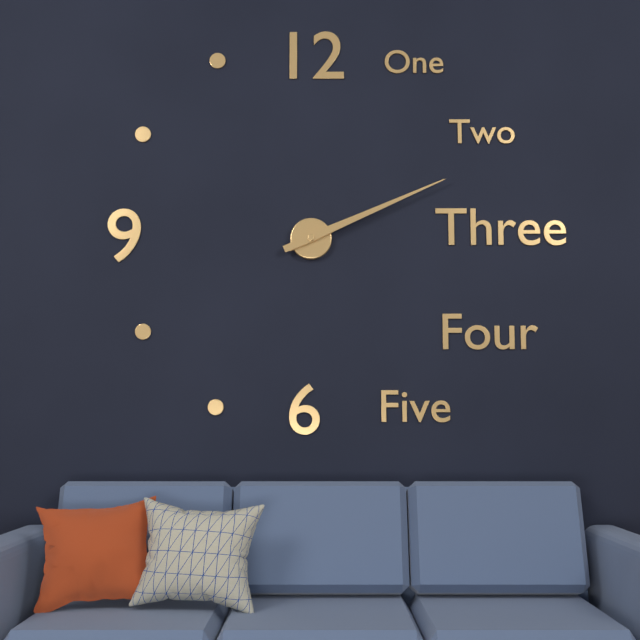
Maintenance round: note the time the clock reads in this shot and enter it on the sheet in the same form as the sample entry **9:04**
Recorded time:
**2:11**
